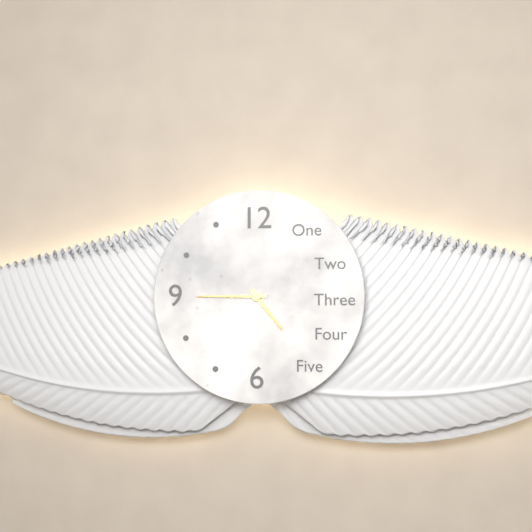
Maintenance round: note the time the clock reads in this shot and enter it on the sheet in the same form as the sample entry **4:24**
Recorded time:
**4:45**
